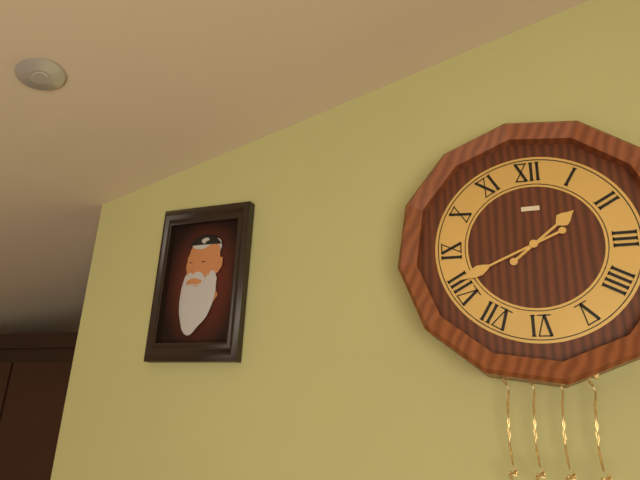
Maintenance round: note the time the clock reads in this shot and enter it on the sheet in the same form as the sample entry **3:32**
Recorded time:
**1:41**
